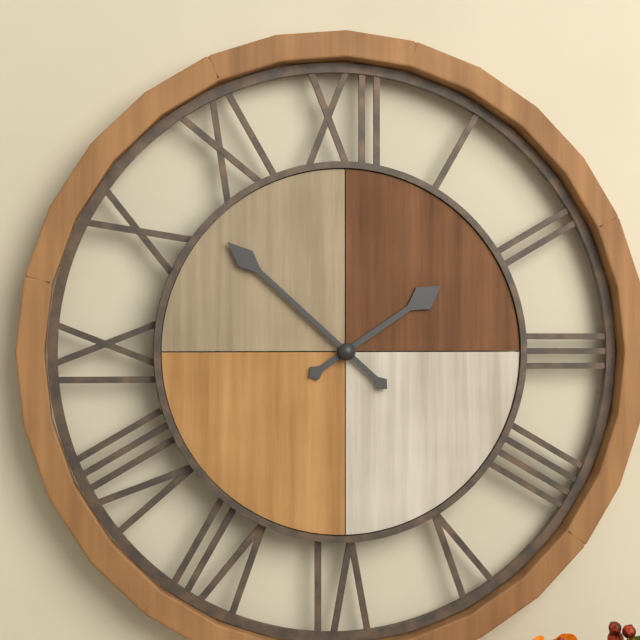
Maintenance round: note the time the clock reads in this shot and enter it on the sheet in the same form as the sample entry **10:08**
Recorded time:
**1:52**
